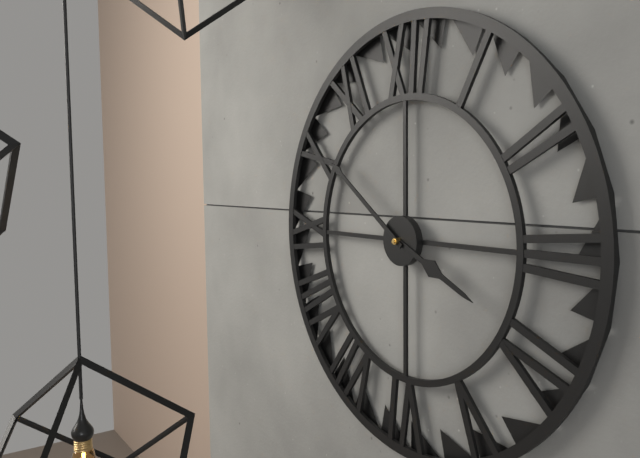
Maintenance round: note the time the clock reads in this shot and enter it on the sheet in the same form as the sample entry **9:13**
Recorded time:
**3:51**
